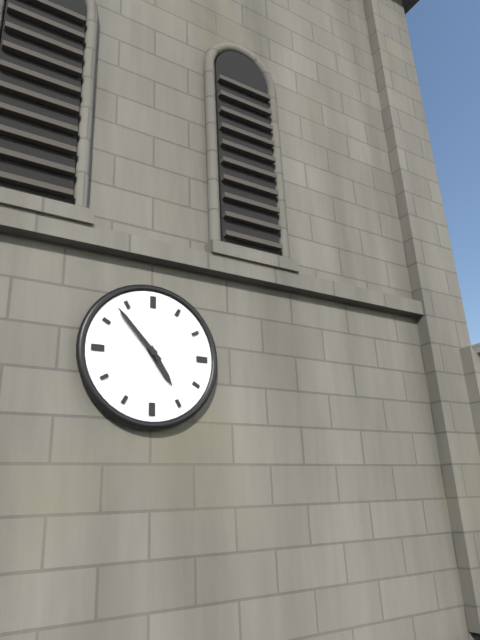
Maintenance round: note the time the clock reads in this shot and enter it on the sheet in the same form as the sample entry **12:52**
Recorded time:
**4:53**
